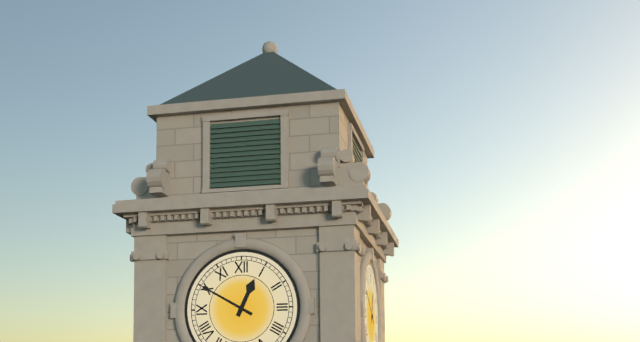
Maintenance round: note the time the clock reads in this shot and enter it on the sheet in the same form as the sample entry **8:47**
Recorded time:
**12:50**
